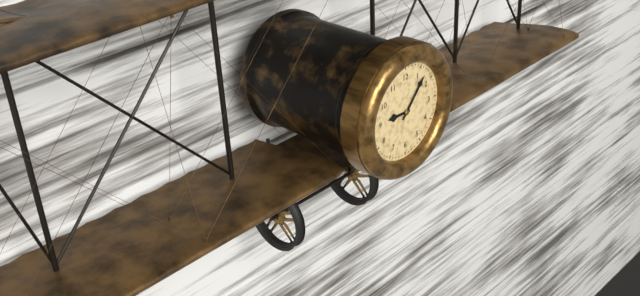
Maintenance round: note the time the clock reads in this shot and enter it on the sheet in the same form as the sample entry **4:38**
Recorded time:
**9:07**
